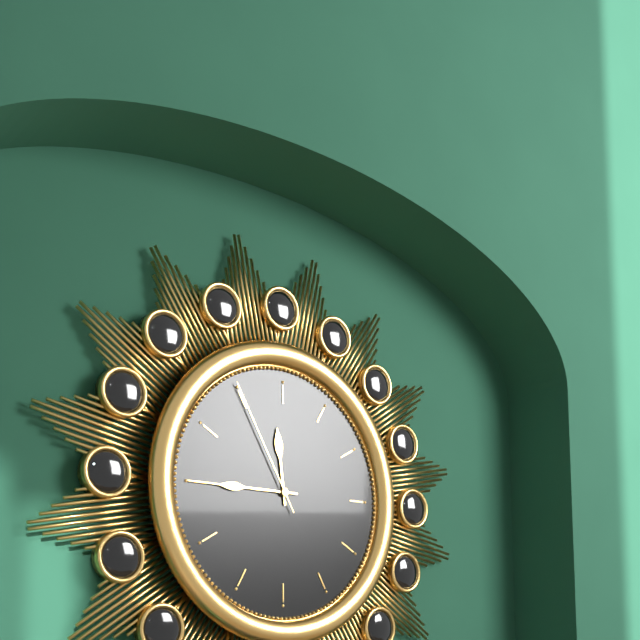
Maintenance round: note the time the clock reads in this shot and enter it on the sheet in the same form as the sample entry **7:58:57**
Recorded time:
**11:45:55**
